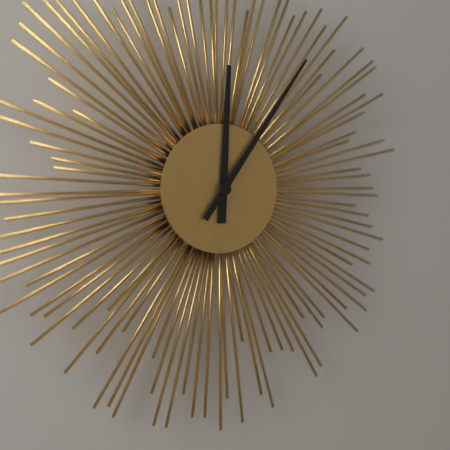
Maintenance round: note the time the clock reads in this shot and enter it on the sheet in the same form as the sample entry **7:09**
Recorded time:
**12:06**
